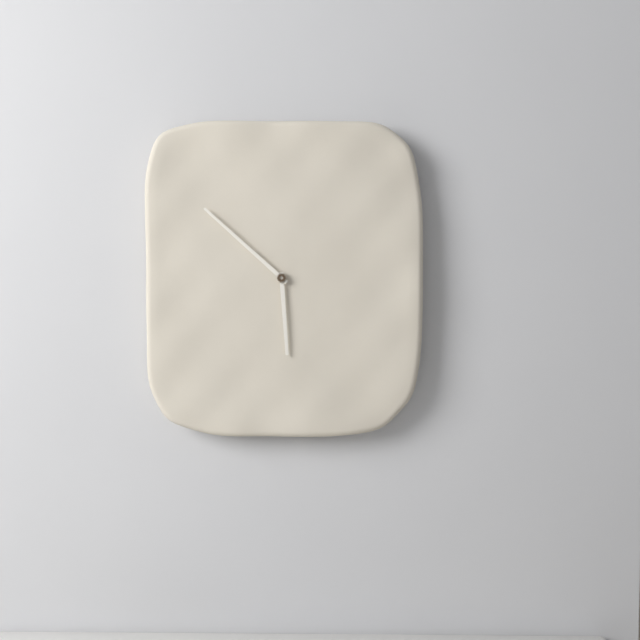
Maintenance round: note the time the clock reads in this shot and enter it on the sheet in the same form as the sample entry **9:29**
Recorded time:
**5:52**
